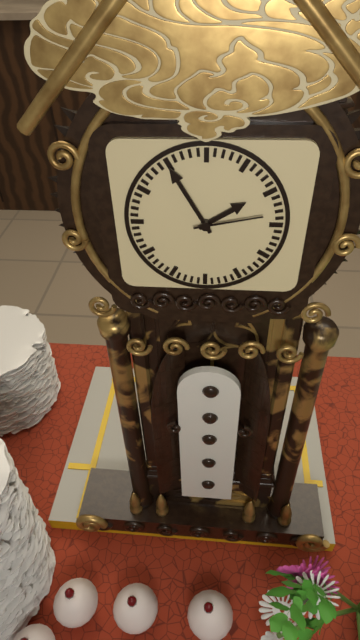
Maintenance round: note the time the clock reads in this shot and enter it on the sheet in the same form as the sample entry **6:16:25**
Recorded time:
**1:55:13**
